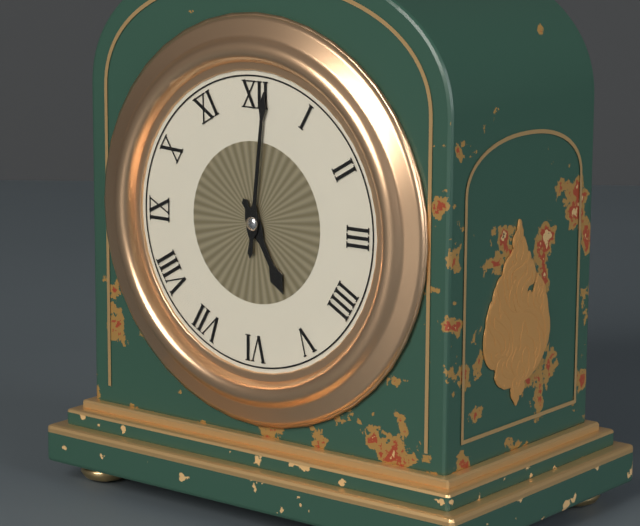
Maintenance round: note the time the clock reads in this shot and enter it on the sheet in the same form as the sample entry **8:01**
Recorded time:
**5:01**
